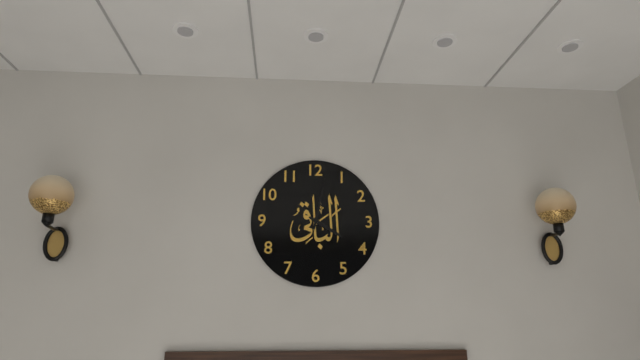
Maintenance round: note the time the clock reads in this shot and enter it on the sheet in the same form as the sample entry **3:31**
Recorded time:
**4:02**
